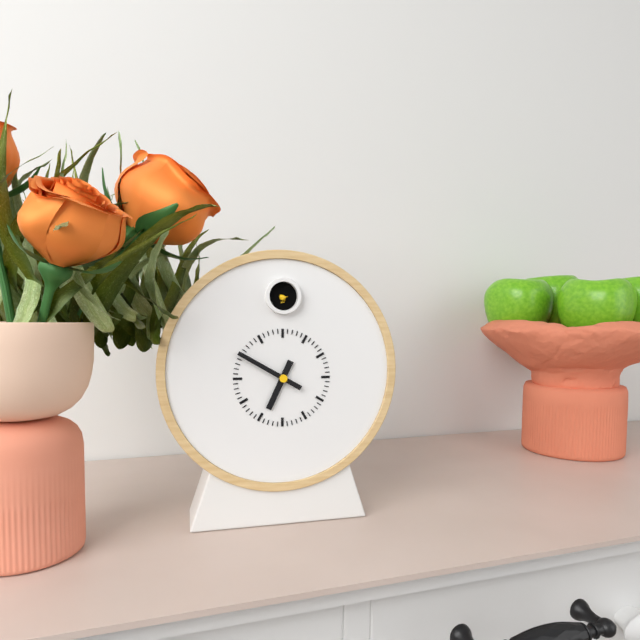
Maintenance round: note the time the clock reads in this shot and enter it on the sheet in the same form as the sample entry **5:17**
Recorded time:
**6:50**
